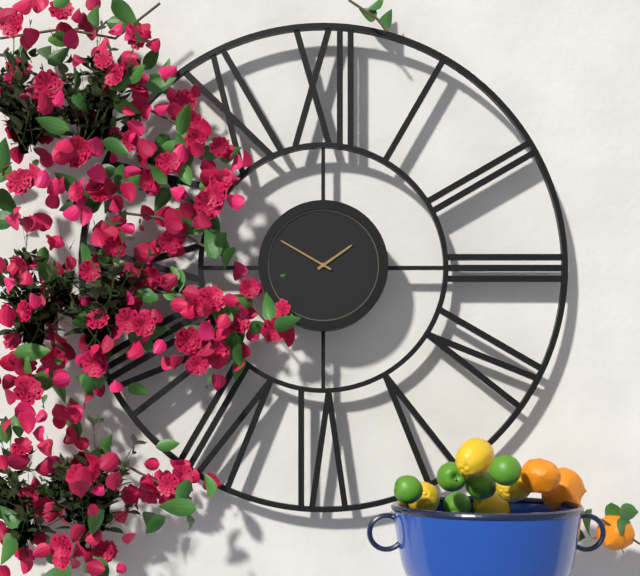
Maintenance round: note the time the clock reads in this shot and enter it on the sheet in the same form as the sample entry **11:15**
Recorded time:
**1:50**
